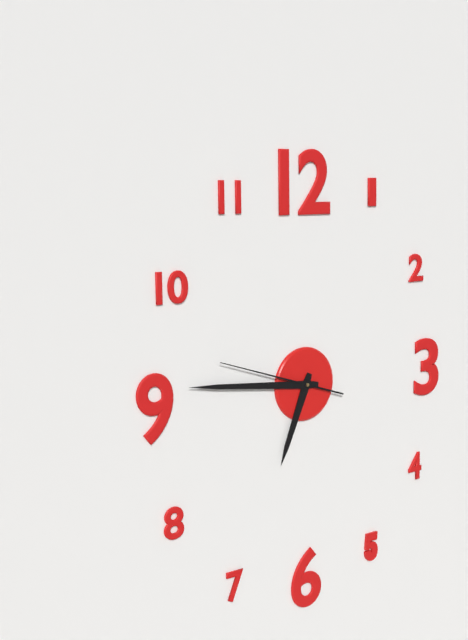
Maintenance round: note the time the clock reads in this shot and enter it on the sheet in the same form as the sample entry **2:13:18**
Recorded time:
**6:46:48**
